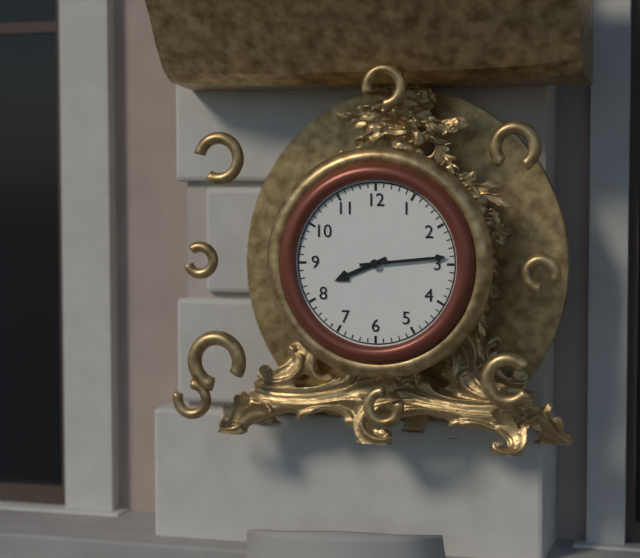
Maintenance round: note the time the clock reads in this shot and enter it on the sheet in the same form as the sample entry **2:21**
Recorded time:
**8:14**
